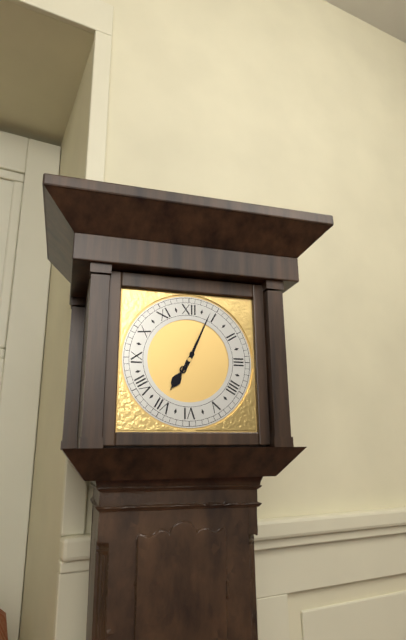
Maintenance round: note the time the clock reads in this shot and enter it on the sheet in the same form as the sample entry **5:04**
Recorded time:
**7:04**
